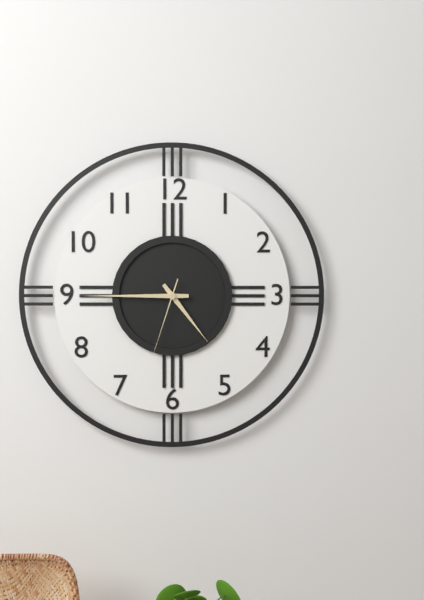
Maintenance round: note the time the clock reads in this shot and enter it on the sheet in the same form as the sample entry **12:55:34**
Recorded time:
**4:45:33**
